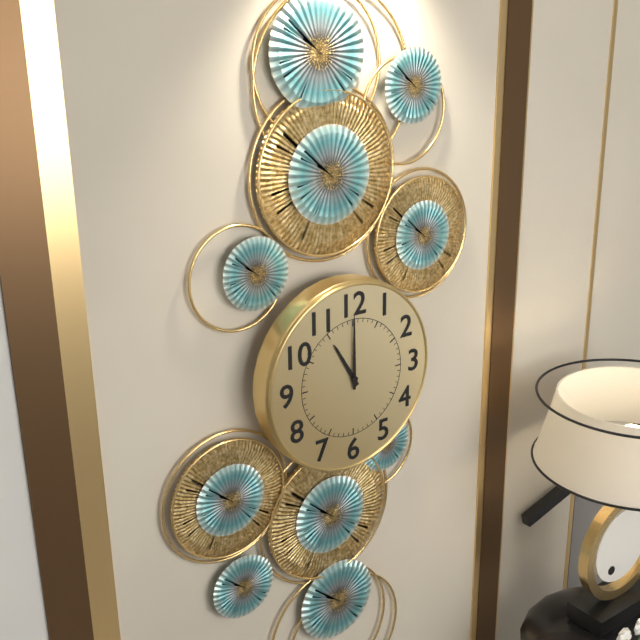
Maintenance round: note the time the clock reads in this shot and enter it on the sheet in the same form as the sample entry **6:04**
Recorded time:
**11:00**
